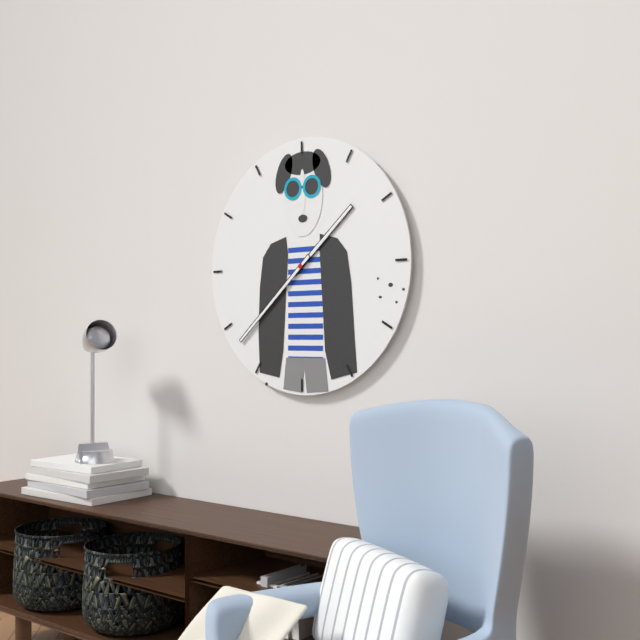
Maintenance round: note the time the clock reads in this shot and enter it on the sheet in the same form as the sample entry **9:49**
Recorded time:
**1:38**
